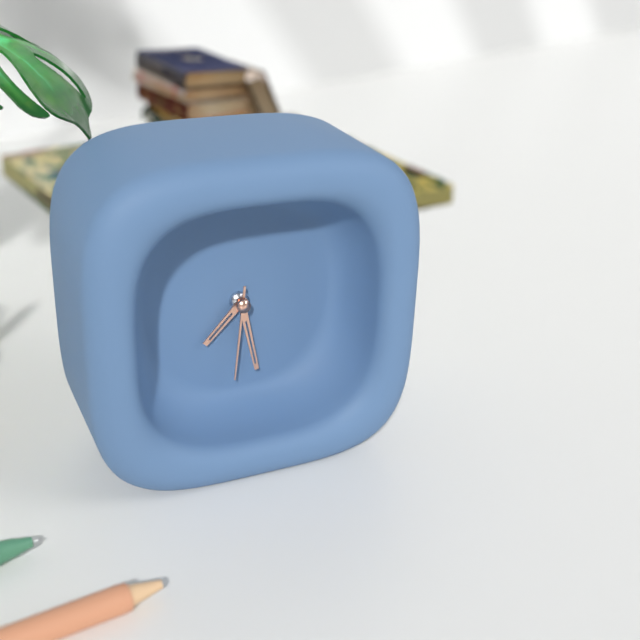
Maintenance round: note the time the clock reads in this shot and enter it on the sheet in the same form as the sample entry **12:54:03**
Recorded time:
**7:28:31**
